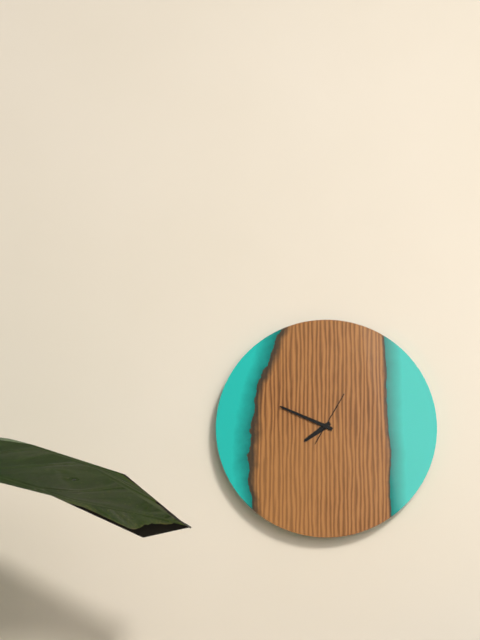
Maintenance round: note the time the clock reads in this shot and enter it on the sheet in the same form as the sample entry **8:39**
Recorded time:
**7:49**
